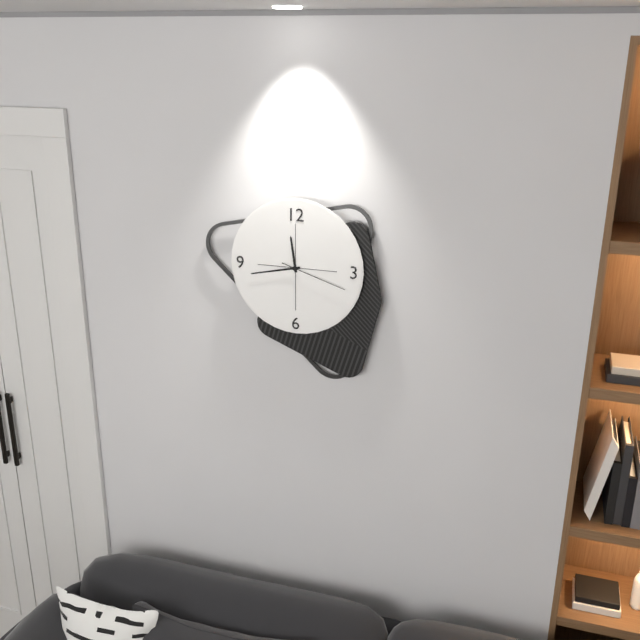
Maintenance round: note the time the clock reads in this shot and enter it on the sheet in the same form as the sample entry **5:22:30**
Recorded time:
**11:43:18**
